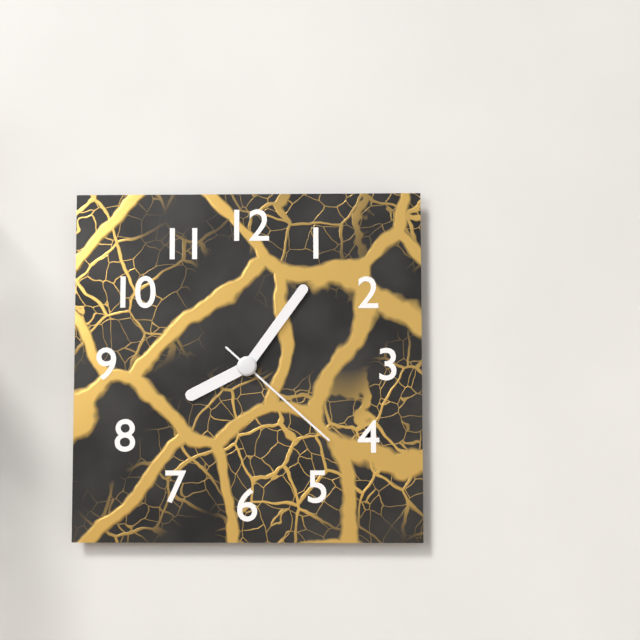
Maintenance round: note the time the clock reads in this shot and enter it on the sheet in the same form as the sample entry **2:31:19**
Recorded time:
**8:06:22**
